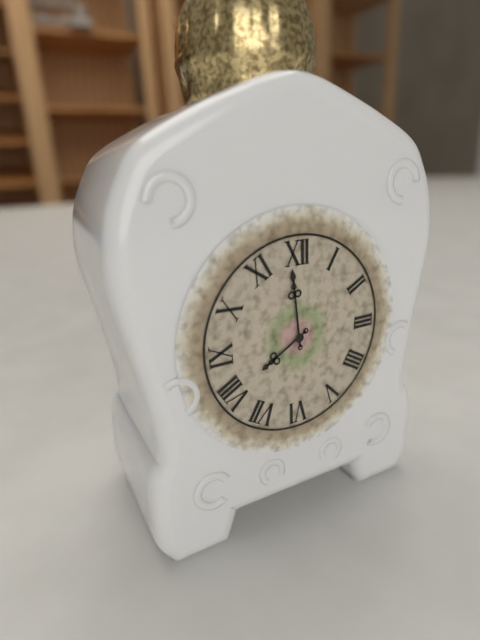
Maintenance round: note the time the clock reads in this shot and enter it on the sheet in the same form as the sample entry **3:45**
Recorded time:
**7:59**
